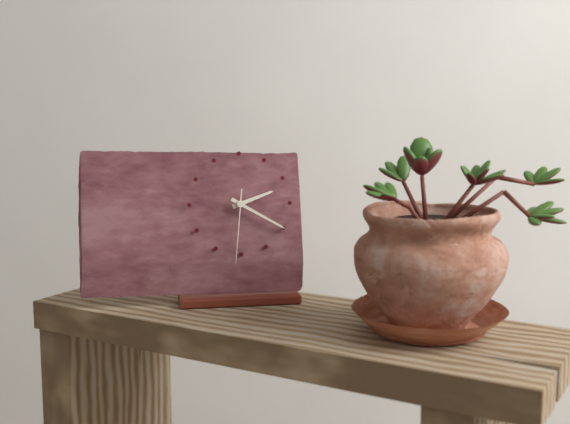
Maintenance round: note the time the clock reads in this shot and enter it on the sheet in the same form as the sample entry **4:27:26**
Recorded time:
**2:20:31**
